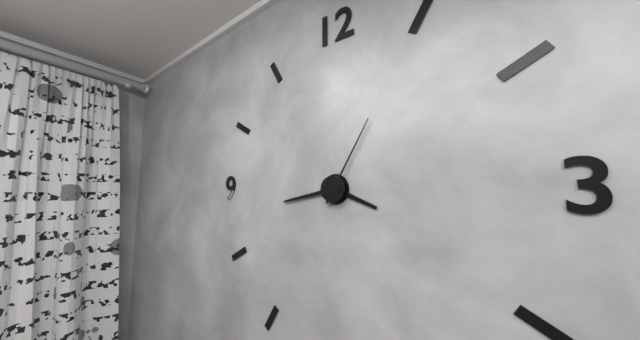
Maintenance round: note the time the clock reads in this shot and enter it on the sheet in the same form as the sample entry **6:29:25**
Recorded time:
**3:43:05**
